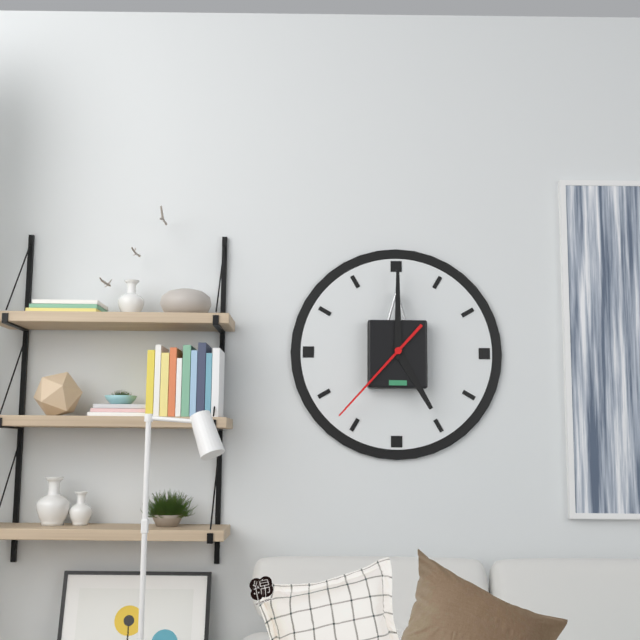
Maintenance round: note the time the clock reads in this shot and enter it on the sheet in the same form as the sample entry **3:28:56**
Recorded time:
**5:00:37**
